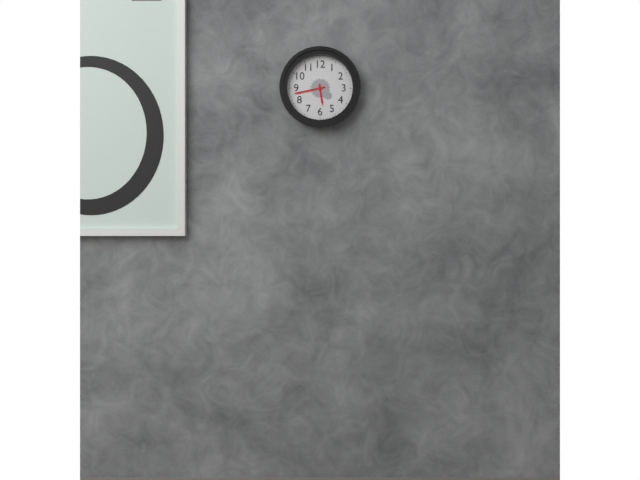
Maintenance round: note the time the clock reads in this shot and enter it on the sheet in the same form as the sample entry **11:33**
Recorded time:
**5:43**
